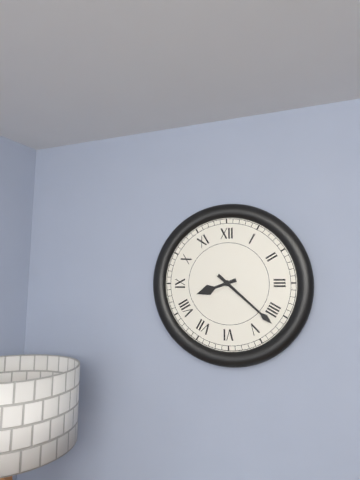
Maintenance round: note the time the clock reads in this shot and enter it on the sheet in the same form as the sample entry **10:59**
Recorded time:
**8:22**
